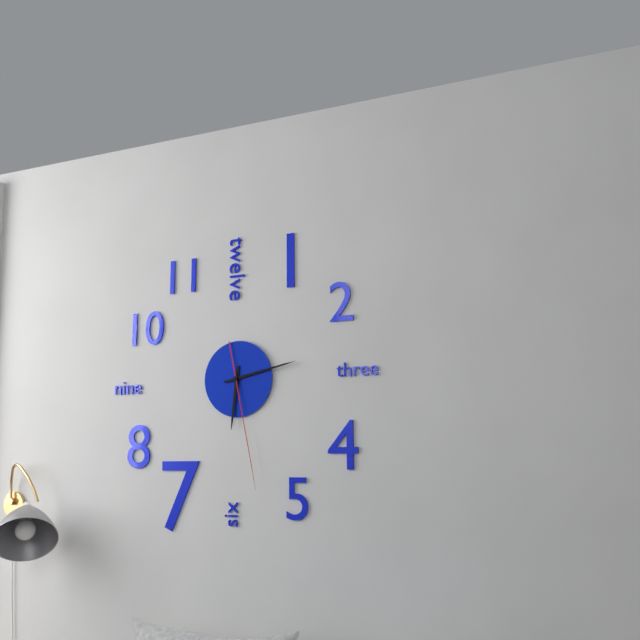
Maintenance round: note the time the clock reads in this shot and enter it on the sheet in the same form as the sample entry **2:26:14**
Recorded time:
**6:13:28**
